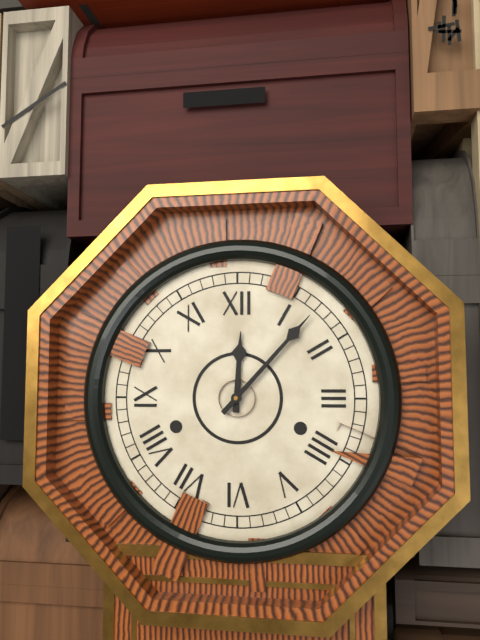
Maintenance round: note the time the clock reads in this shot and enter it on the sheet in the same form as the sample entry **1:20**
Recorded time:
**12:07**
